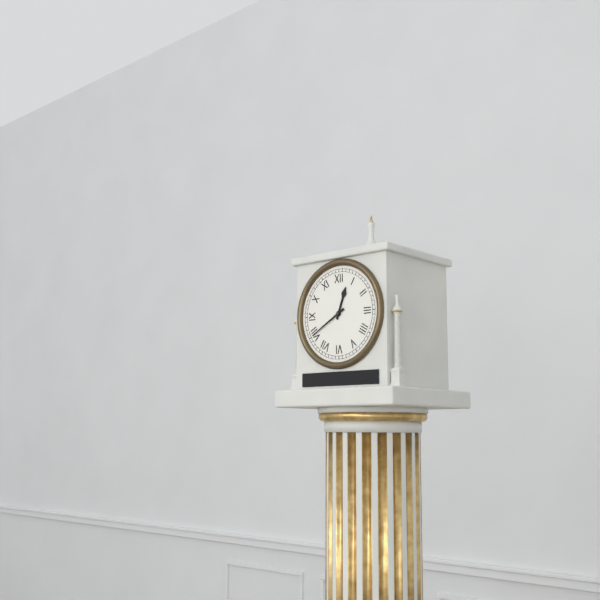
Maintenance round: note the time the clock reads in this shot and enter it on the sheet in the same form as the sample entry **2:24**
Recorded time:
**12:40**
